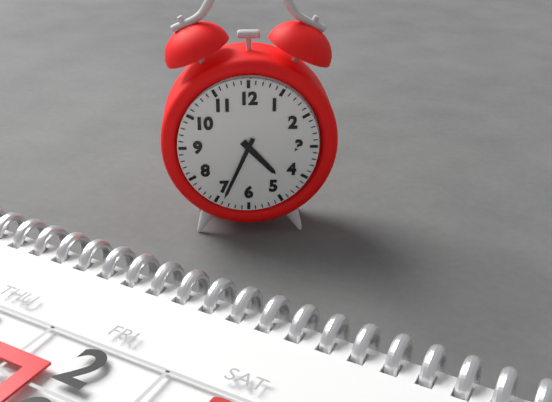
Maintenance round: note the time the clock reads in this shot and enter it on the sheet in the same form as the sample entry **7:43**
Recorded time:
**4:34**
